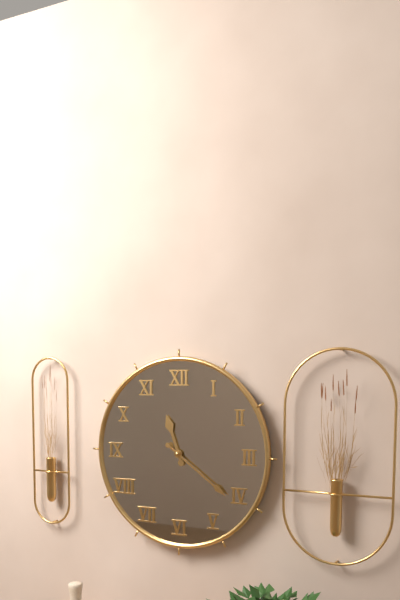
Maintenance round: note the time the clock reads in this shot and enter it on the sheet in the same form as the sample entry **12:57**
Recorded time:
**11:21**
